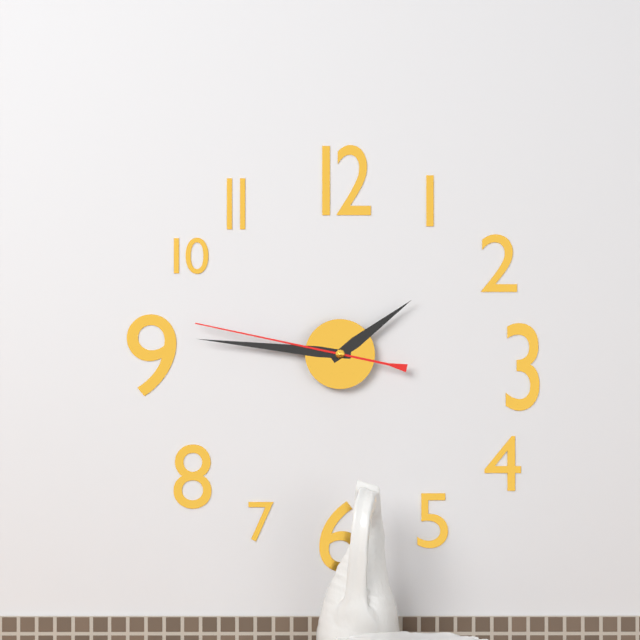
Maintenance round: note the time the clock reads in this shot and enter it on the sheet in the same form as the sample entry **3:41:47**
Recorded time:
**1:46:47**
